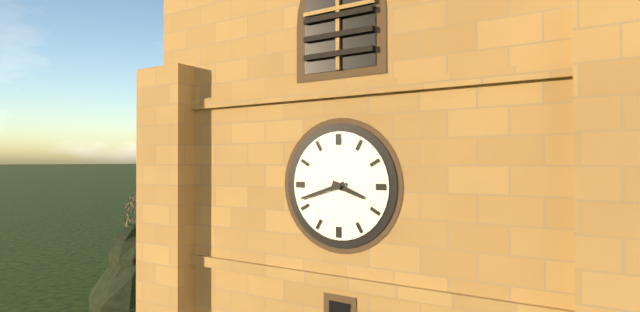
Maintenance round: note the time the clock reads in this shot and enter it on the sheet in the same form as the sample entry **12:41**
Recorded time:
**3:42**
